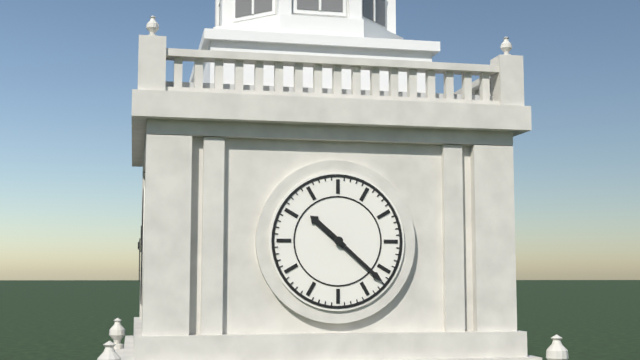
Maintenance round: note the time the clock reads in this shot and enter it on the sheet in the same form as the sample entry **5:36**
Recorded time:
**10:22**
